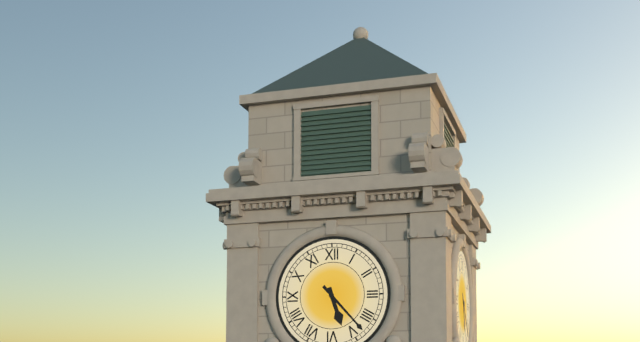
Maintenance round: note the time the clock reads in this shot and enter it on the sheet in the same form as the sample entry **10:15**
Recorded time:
**5:23**
